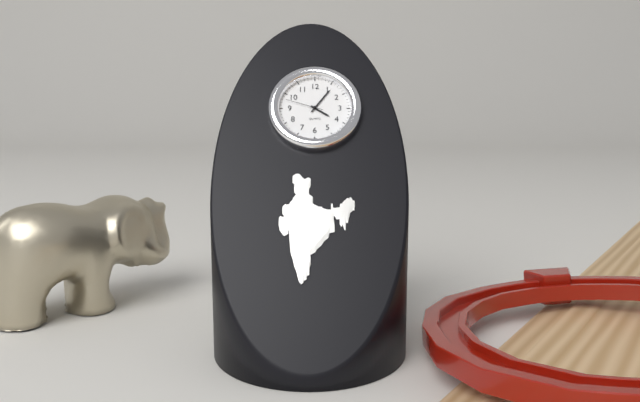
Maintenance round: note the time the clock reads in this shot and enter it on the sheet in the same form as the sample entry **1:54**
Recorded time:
**4:06**
